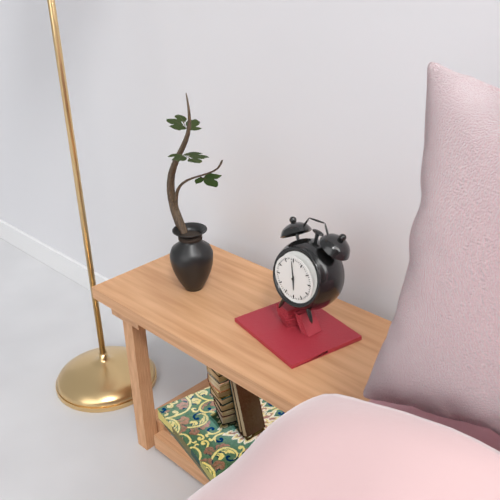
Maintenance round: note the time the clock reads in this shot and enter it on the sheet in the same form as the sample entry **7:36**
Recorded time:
**5:59**
